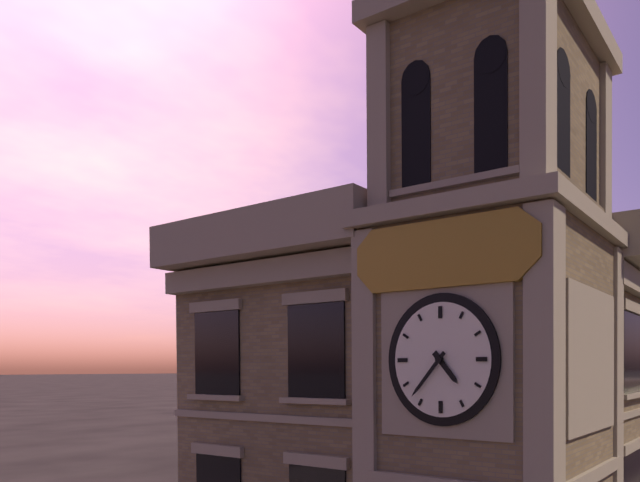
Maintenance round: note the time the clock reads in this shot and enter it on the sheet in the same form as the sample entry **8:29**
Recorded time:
**4:37**
